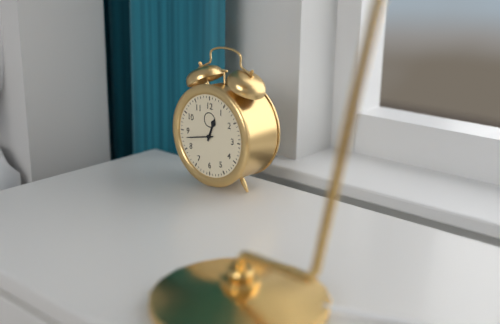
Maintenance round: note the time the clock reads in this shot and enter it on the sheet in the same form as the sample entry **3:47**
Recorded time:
**12:43**
